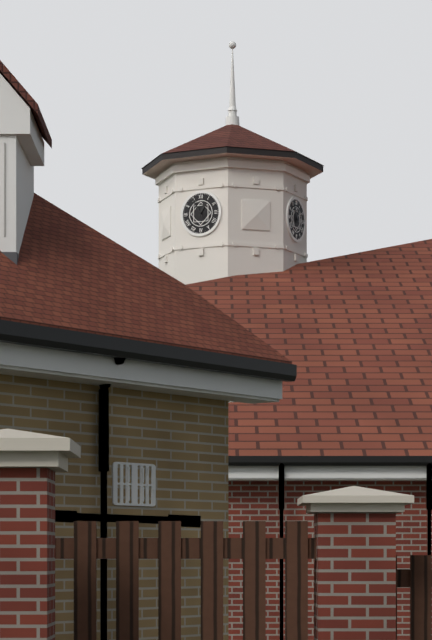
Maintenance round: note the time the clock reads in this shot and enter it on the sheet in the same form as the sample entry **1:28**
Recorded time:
**12:55**
